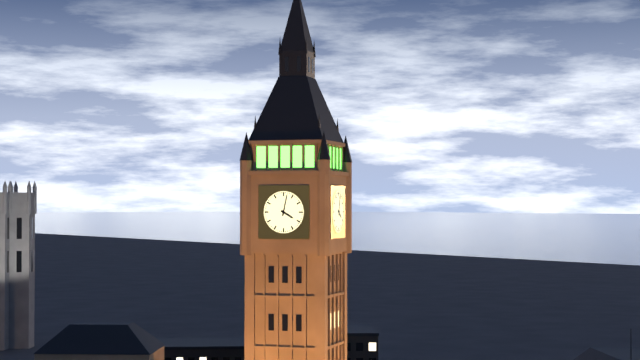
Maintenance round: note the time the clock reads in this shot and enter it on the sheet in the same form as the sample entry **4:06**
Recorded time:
**4:02**
